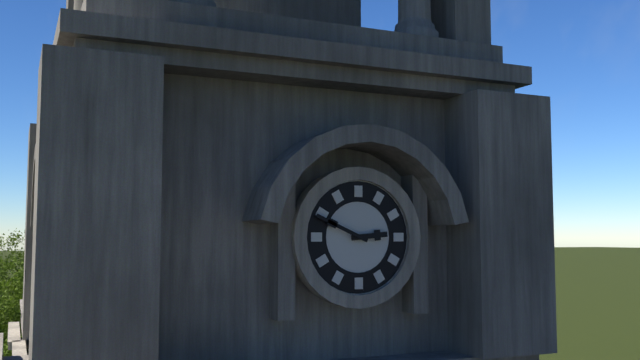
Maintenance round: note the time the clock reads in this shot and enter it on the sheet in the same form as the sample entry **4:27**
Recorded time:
**2:49**
